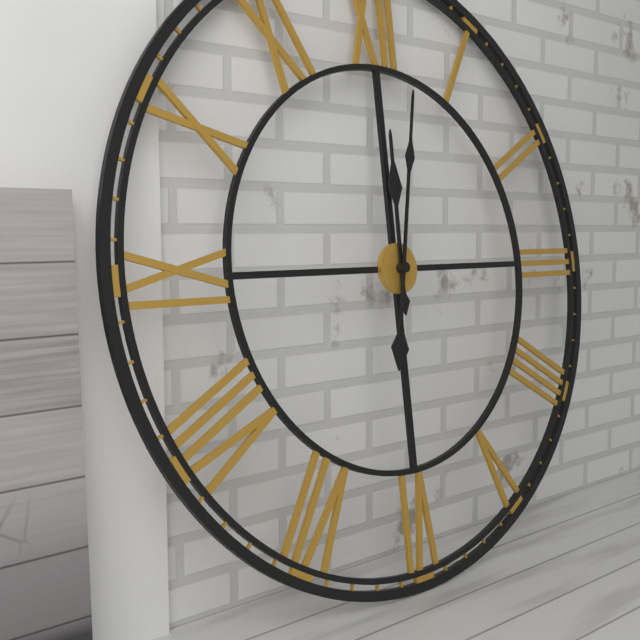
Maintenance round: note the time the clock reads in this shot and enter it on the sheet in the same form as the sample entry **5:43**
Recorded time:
**12:02**
